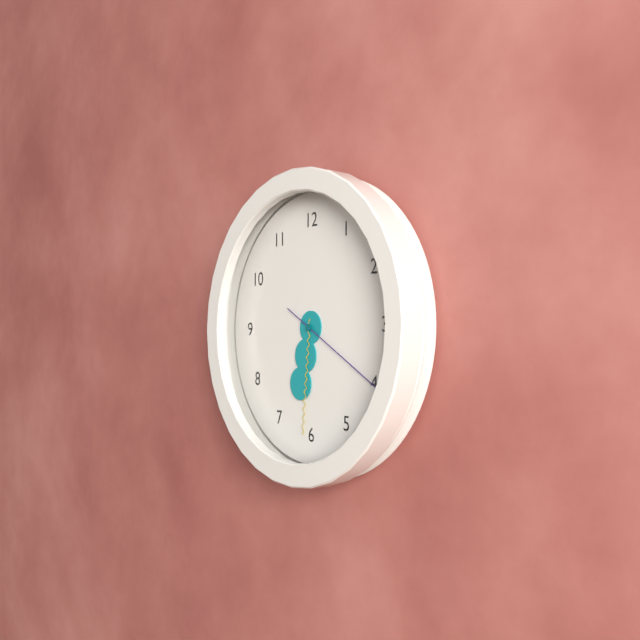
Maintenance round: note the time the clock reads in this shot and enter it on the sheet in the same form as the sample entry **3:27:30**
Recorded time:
**6:31:20**
